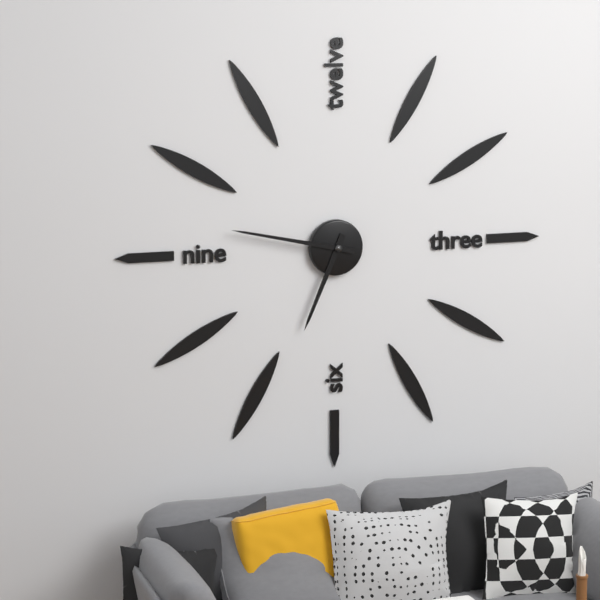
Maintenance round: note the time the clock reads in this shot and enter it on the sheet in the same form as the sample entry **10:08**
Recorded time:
**6:47**
